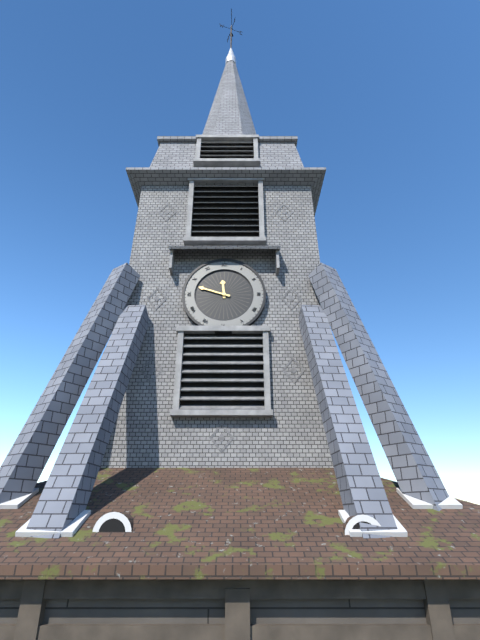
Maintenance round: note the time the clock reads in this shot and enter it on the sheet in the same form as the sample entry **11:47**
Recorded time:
**11:48**
